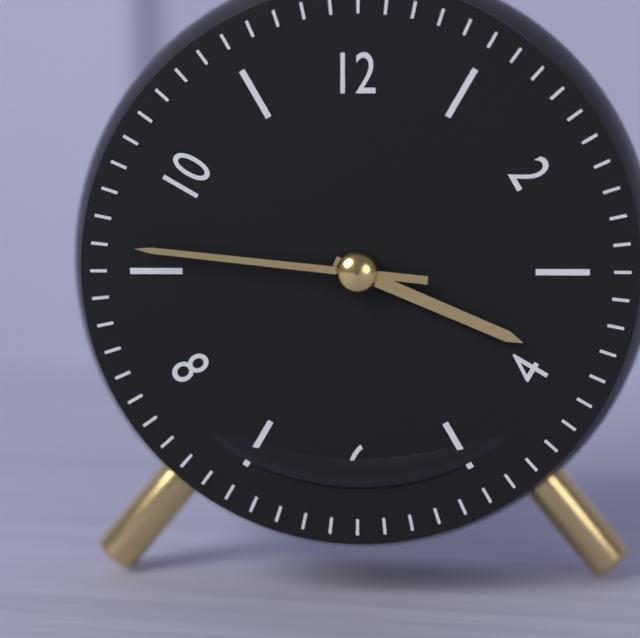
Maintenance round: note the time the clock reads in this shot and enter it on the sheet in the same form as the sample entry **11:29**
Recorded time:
**3:46**
